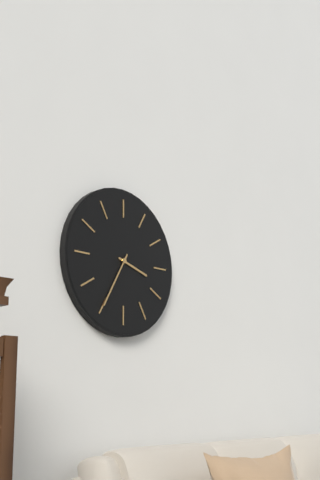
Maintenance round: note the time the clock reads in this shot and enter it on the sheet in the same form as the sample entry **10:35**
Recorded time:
**3:35**
